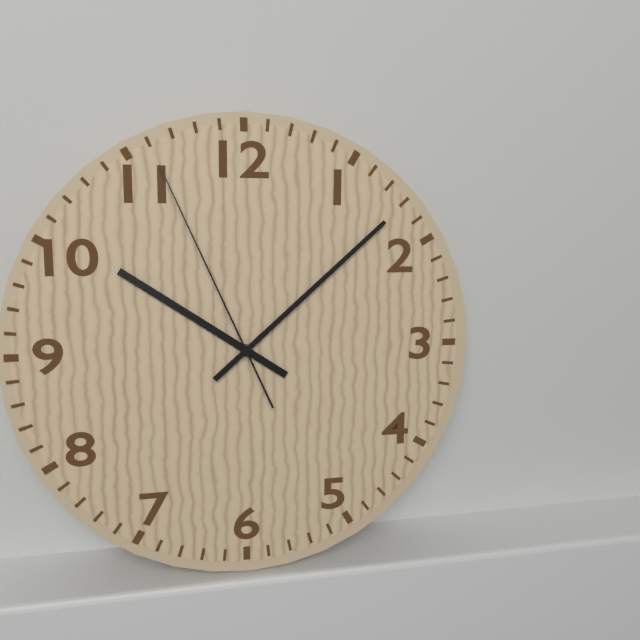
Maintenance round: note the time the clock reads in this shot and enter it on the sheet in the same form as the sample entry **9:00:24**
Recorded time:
**10:08:56**
